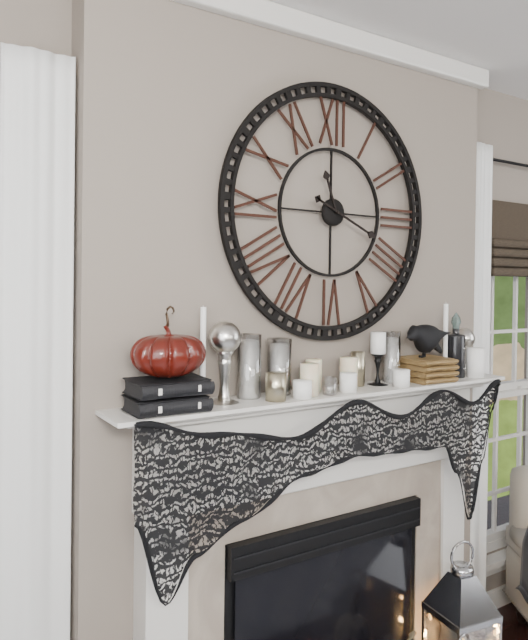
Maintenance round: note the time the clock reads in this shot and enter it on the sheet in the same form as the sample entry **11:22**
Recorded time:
**11:19**
